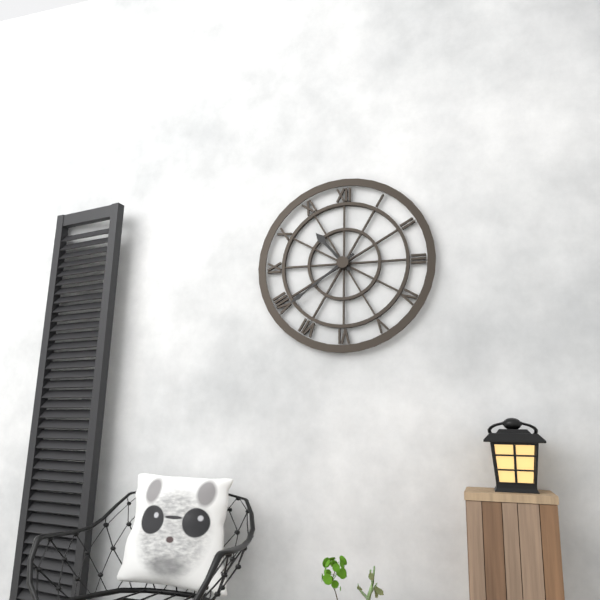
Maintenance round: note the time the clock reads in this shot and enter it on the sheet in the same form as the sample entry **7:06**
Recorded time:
**10:39**
